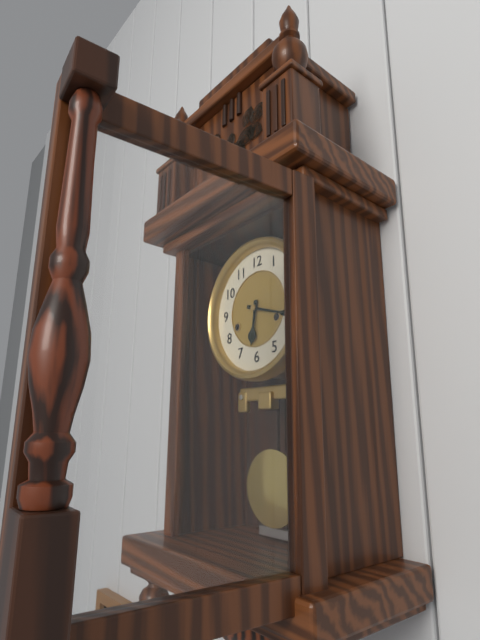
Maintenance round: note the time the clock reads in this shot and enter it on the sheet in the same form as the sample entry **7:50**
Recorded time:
**6:18**
